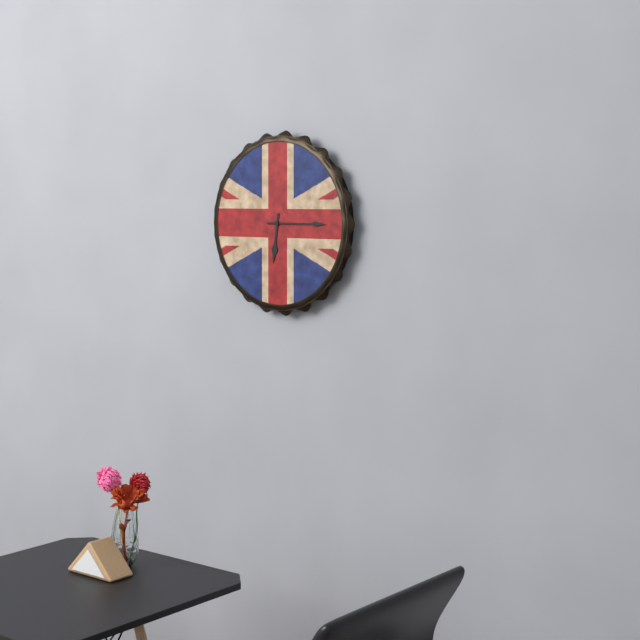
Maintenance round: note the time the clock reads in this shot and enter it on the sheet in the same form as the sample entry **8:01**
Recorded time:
**6:15**
